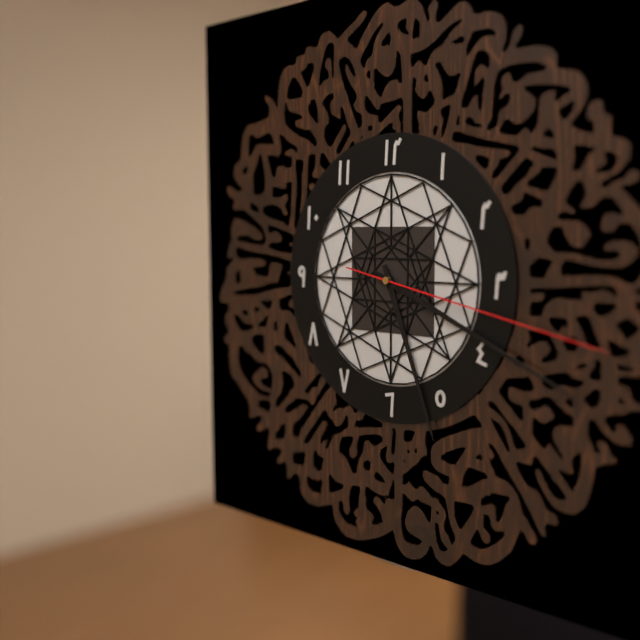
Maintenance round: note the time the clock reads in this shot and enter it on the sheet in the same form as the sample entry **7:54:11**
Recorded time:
**5:19:17**
